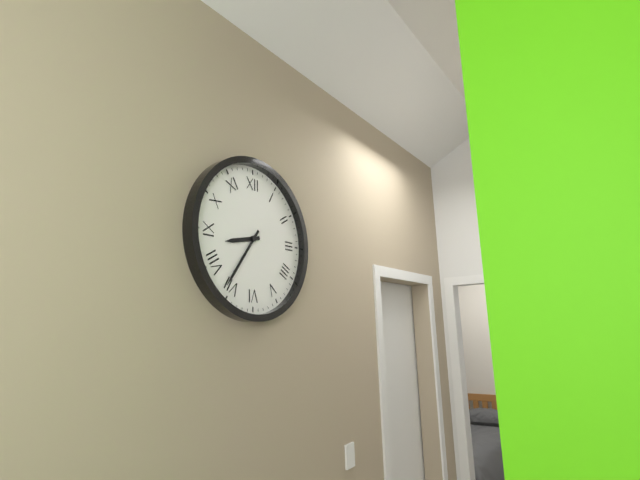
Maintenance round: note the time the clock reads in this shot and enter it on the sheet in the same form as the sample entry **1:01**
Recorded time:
**8:36**
